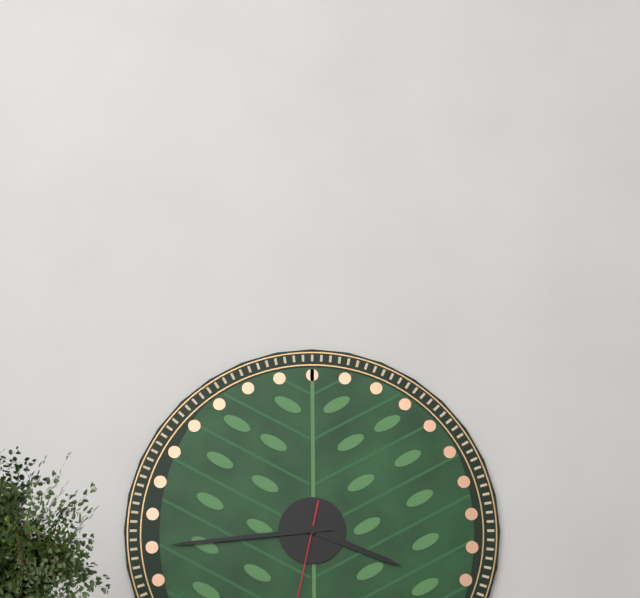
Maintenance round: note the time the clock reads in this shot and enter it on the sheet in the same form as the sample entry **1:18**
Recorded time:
**3:44**
